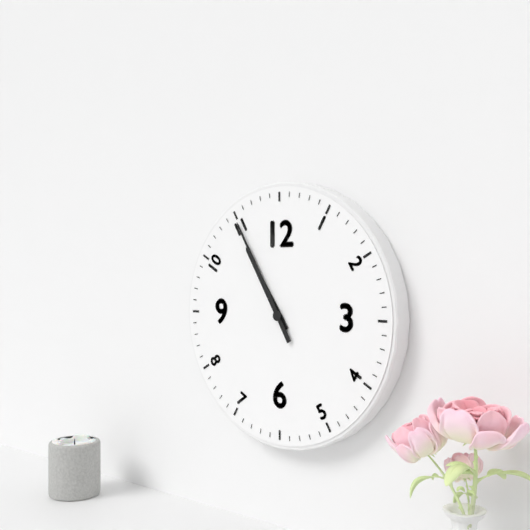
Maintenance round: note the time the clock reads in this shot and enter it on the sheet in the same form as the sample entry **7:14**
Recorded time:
**10:55**
